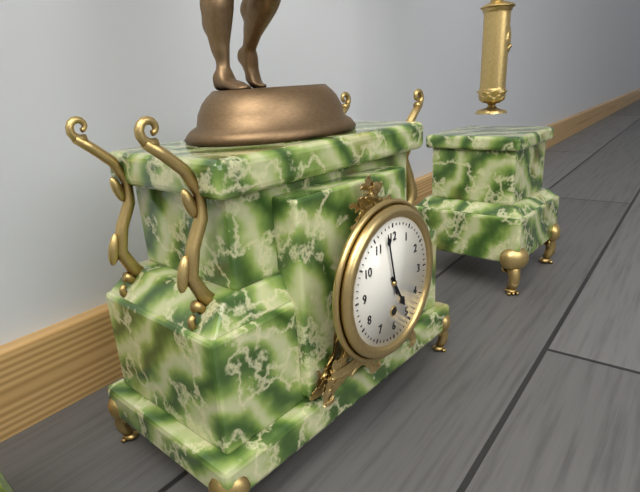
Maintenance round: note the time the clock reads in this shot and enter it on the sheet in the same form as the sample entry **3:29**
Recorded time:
**4:58**
